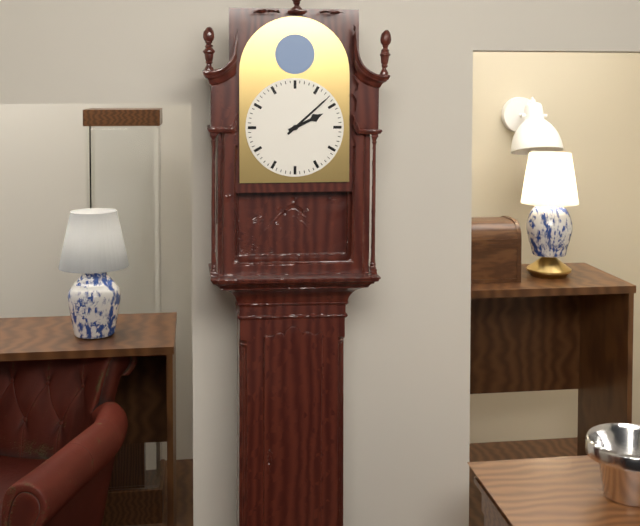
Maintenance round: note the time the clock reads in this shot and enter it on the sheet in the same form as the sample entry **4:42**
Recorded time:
**2:08**
